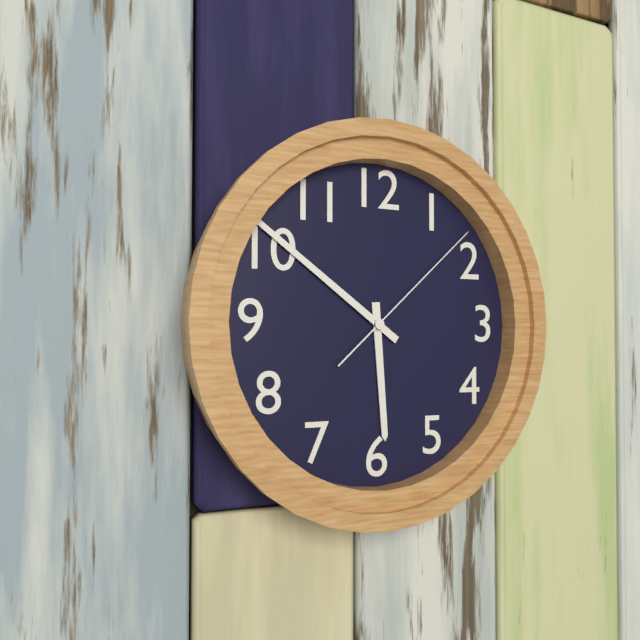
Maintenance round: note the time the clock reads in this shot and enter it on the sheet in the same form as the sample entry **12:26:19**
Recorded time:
**5:51:08**
